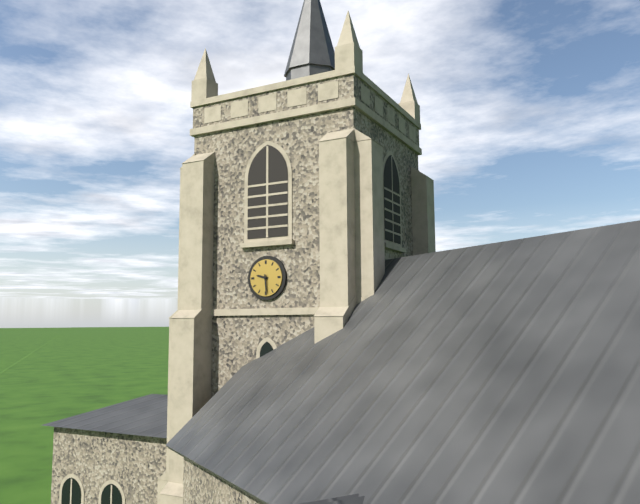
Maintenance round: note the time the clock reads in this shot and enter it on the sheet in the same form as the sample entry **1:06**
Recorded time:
**9:29**
